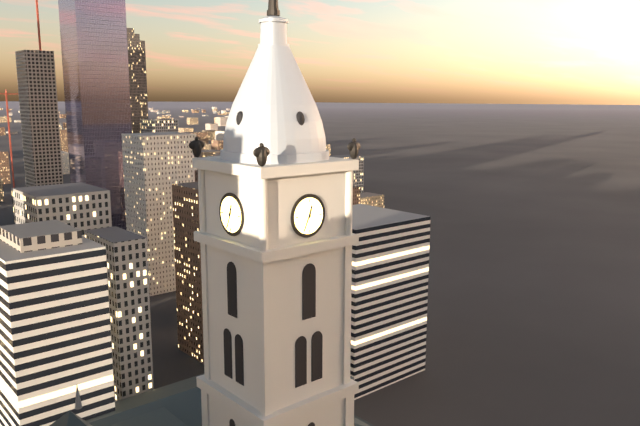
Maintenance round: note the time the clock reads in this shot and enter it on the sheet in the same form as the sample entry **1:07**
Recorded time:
**12:34**
